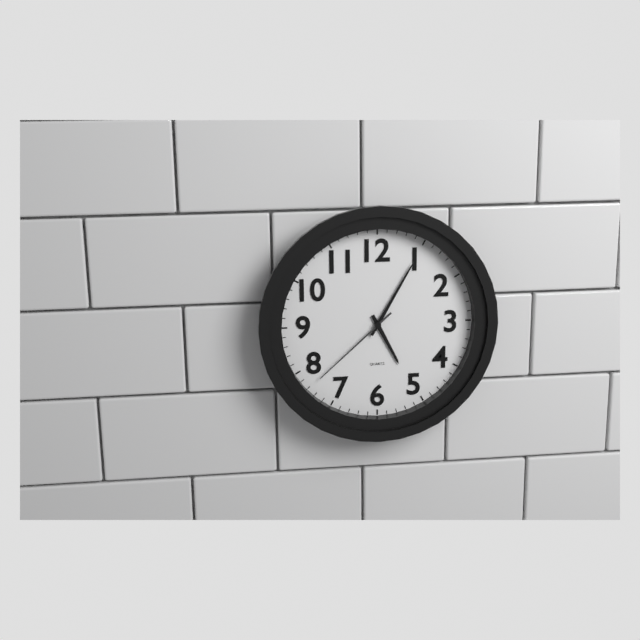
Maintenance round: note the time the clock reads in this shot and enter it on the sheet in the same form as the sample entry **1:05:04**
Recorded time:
**5:05:38**
